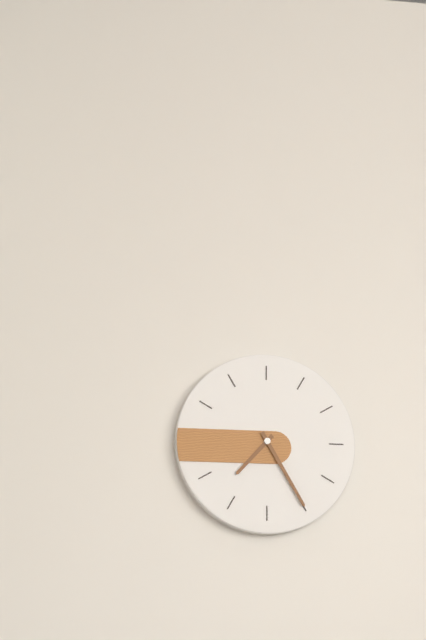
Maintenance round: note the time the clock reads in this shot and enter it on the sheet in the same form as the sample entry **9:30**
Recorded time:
**7:25**
